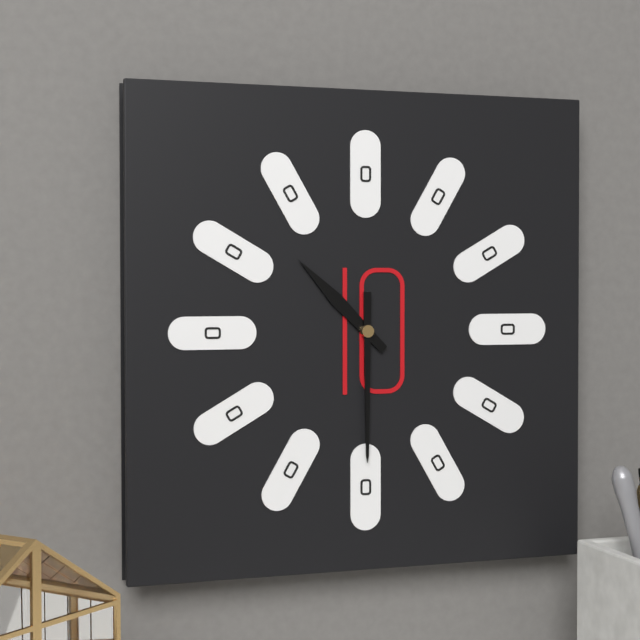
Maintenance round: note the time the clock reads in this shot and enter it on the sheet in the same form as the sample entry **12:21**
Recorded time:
**10:30**
